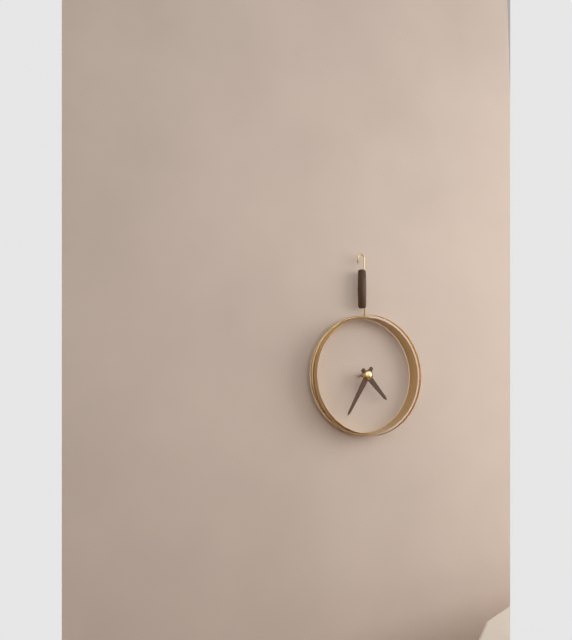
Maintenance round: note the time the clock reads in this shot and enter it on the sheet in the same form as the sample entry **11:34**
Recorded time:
**4:35**
